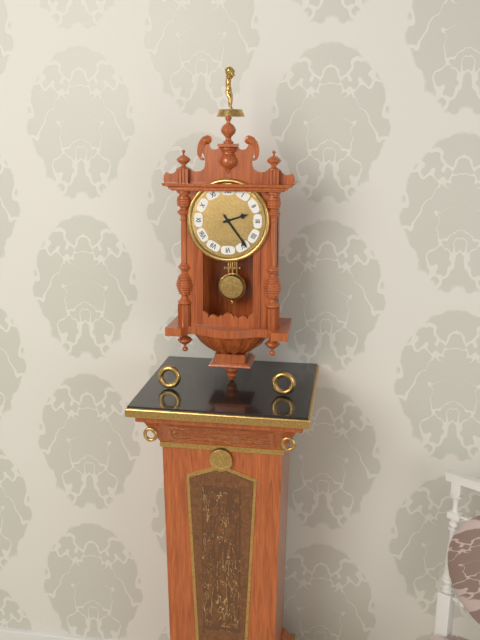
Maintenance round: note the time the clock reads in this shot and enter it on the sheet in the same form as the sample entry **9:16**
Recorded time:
**2:24**
